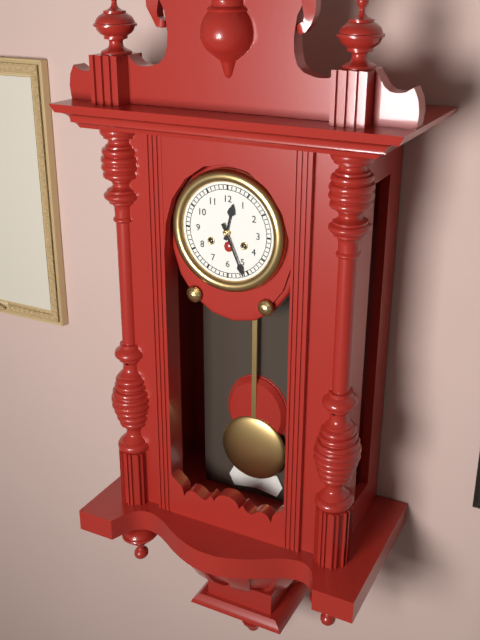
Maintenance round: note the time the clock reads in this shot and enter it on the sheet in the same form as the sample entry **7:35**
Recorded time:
**12:26**
